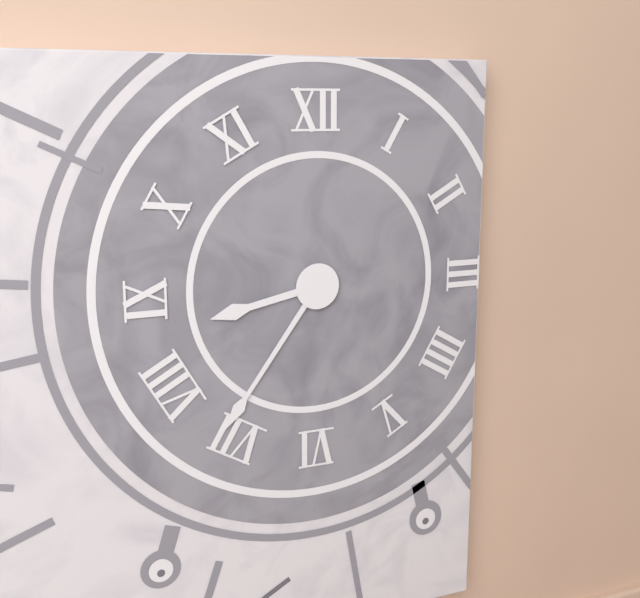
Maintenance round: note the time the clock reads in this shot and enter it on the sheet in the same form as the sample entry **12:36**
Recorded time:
**8:36**
